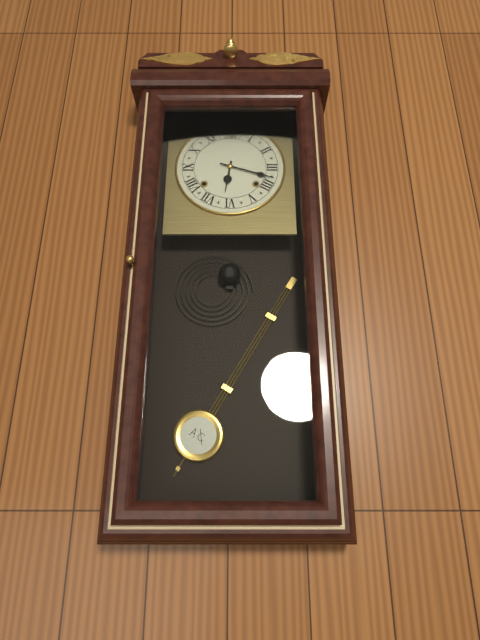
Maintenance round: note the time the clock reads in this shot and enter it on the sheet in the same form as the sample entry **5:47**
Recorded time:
**6:18**
